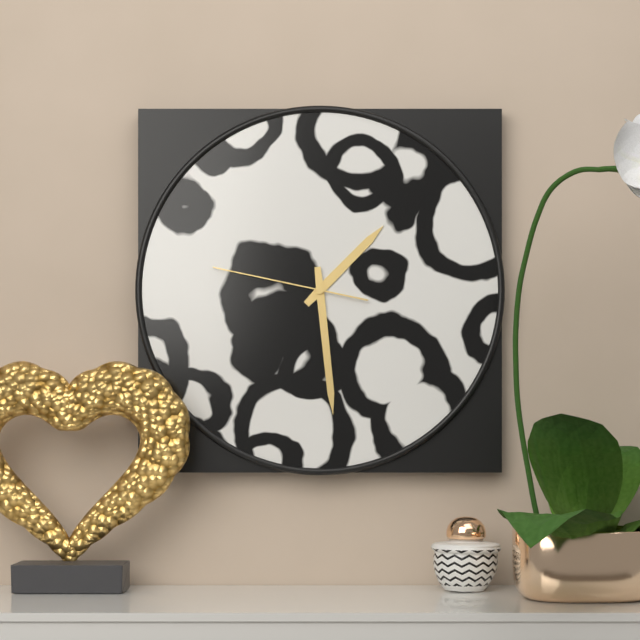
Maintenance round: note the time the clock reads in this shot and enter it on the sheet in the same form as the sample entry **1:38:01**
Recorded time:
**1:29:47**
